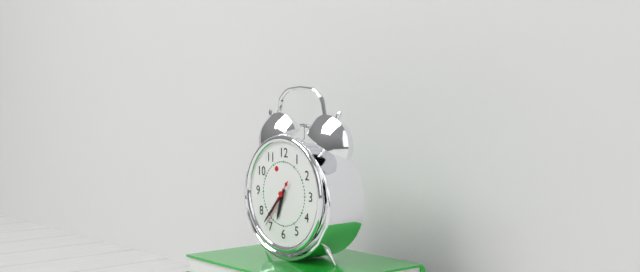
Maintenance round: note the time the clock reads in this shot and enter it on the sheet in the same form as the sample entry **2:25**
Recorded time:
**6:37**
